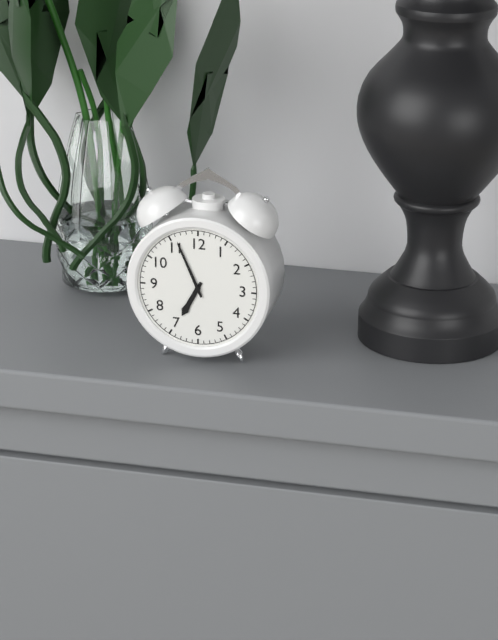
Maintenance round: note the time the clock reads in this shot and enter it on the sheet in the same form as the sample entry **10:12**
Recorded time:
**6:56**
